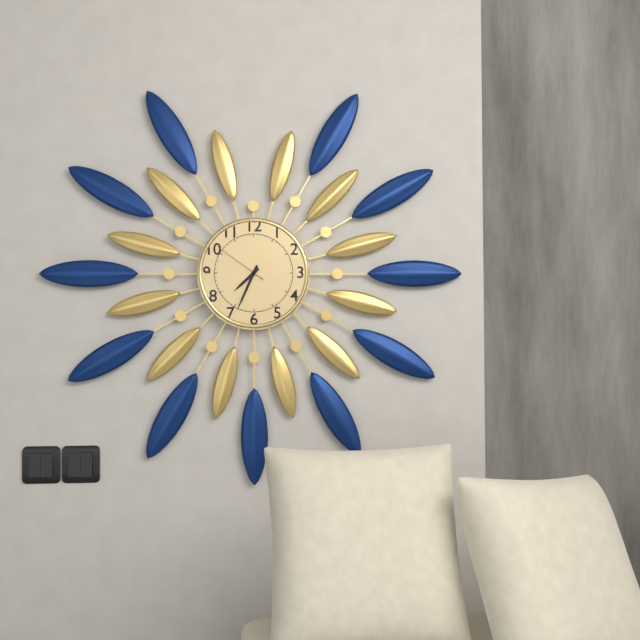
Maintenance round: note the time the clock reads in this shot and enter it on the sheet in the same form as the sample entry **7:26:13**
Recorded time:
**7:34:51**
